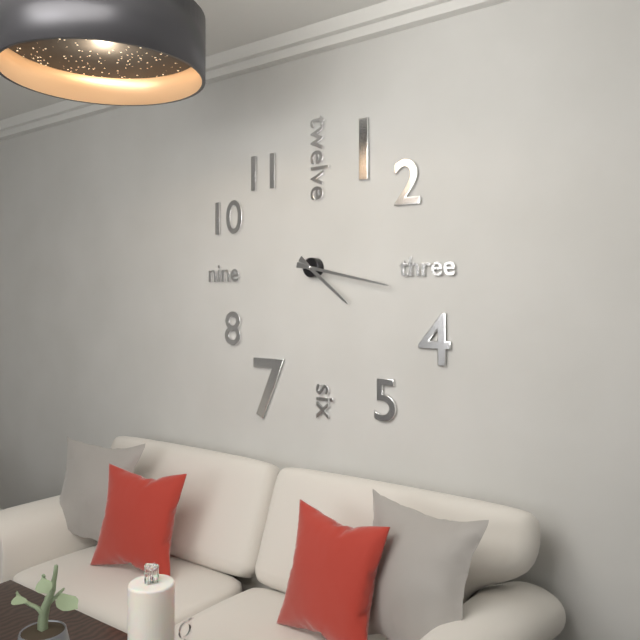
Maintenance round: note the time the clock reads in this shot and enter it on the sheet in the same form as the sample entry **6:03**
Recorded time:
**4:17**
